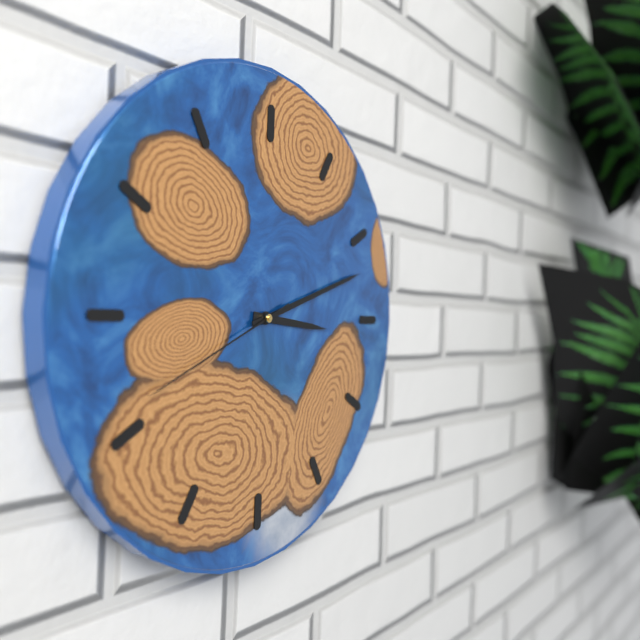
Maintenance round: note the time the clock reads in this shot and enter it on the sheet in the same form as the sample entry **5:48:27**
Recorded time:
**3:12:41**
